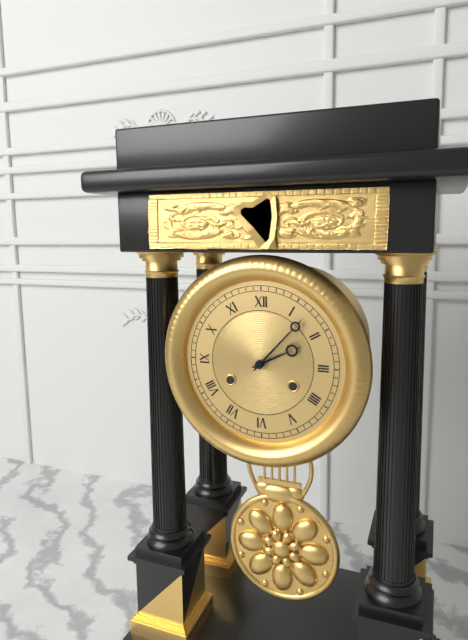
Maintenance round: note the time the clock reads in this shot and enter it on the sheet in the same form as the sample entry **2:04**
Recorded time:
**2:07**
